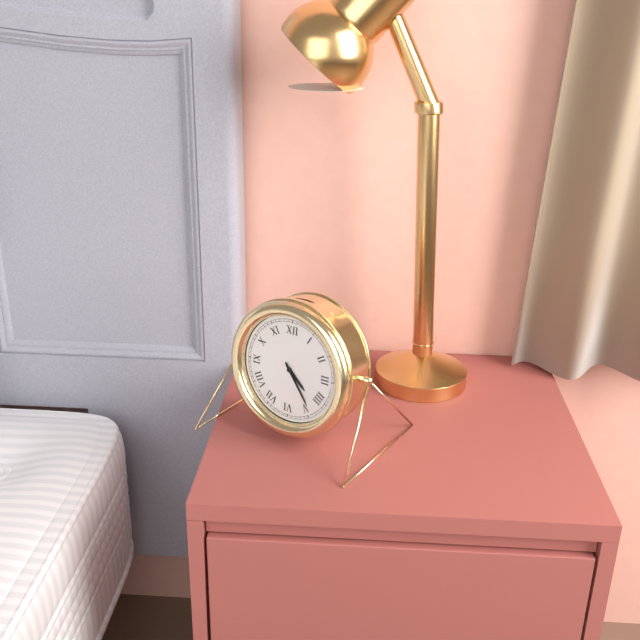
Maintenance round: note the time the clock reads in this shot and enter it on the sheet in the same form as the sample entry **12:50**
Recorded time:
**4:24**
